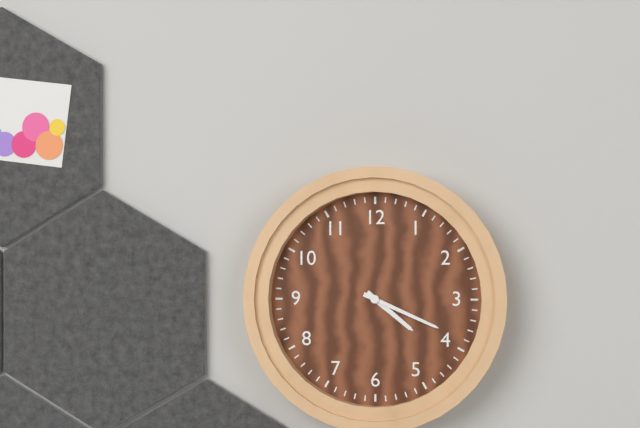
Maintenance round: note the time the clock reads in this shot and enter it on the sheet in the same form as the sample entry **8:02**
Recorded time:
**4:19**
